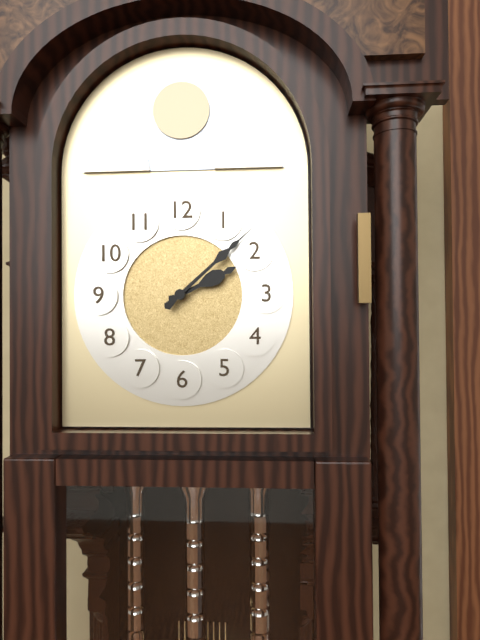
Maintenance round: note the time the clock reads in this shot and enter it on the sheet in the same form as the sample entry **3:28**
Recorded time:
**2:08**
